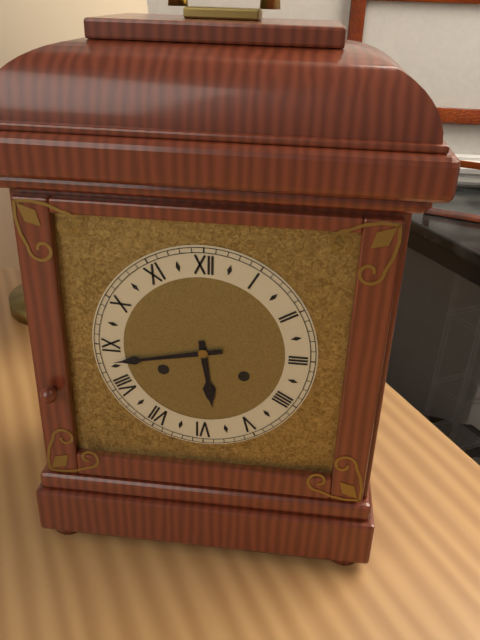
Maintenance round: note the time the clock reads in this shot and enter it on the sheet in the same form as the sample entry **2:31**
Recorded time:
**5:43**
